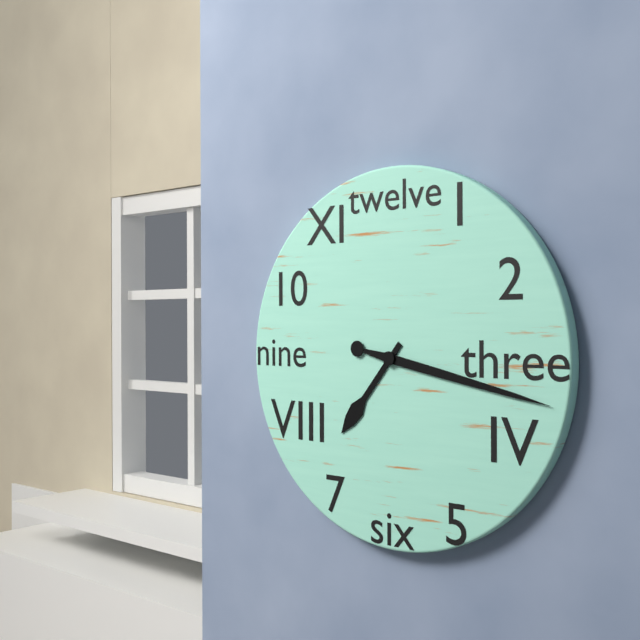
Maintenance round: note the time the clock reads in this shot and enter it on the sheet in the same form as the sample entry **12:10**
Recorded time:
**7:17**
